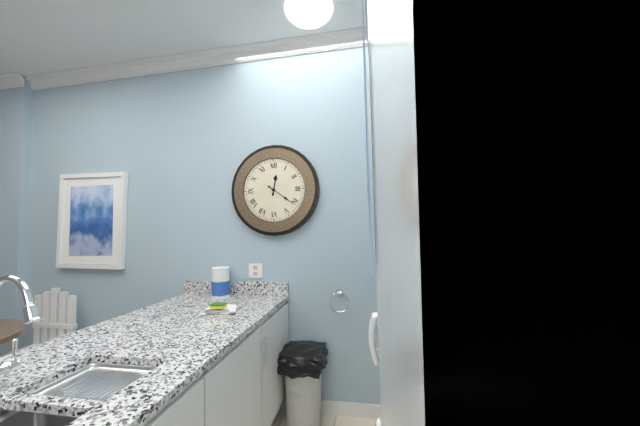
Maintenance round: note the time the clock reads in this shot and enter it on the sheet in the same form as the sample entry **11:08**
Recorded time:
**12:21**
